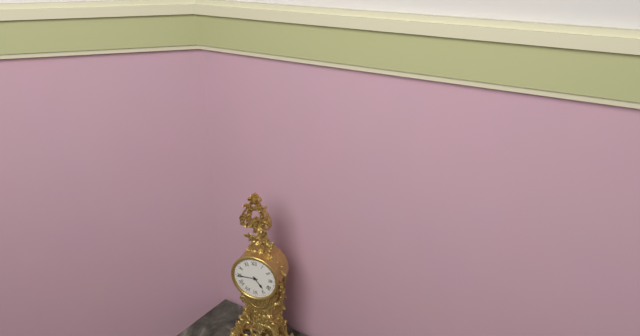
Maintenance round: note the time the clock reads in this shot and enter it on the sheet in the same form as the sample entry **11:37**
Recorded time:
**4:45**
